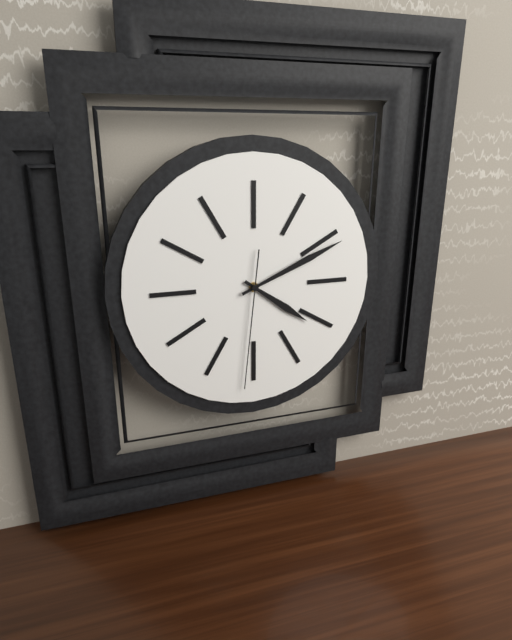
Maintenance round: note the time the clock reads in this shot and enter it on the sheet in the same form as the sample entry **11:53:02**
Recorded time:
**4:11:31**
